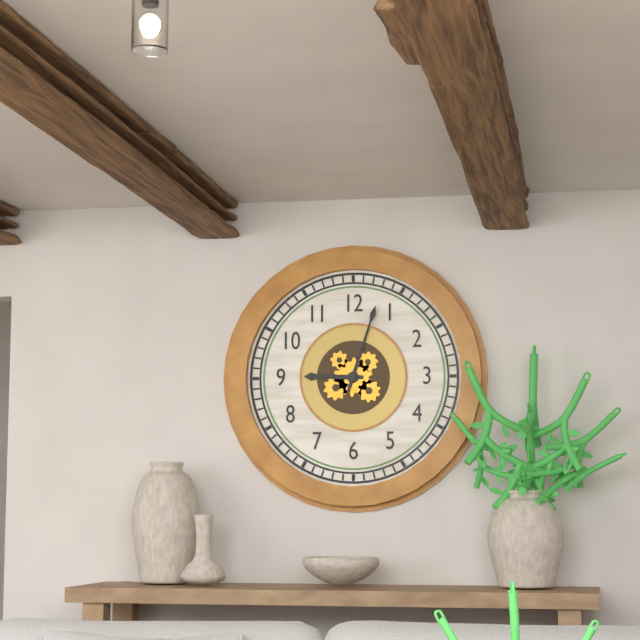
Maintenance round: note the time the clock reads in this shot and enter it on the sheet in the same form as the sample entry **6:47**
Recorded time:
**9:03**
